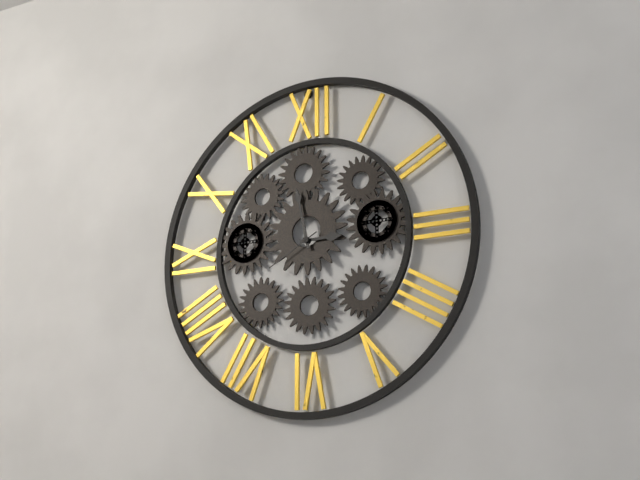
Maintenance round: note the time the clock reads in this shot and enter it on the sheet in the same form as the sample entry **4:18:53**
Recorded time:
**2:58:40**
